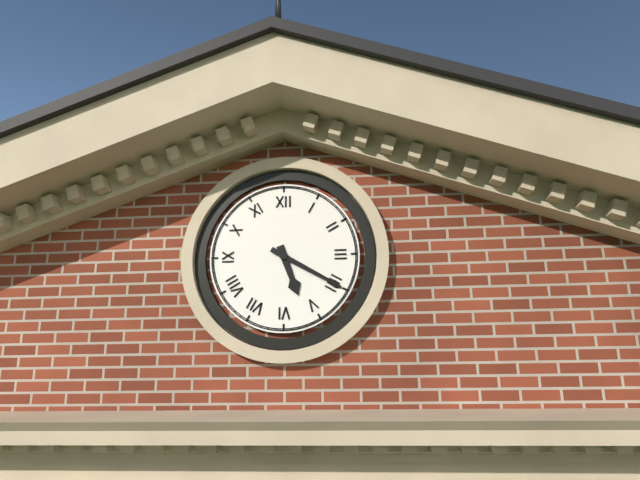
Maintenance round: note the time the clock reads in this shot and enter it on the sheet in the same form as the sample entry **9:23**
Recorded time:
**5:20**
